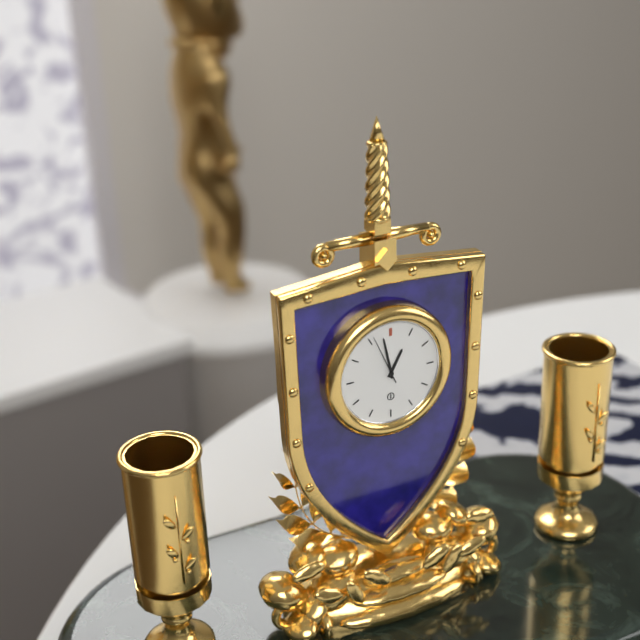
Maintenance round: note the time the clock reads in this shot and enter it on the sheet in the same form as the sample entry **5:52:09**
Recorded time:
**12:58:56**
